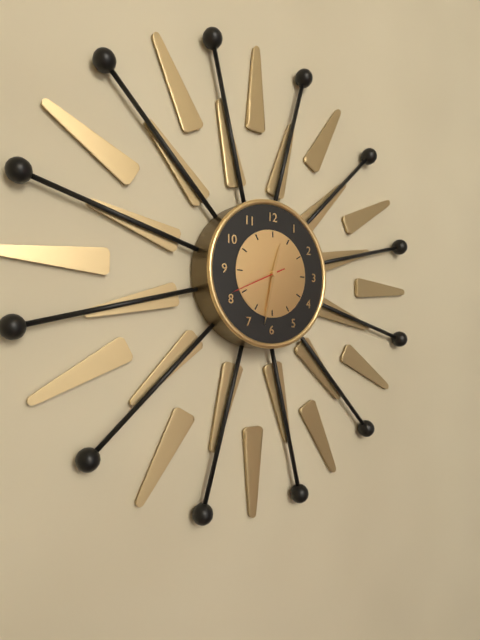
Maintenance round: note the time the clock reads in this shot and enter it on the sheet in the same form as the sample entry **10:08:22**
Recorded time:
**12:32:41**
